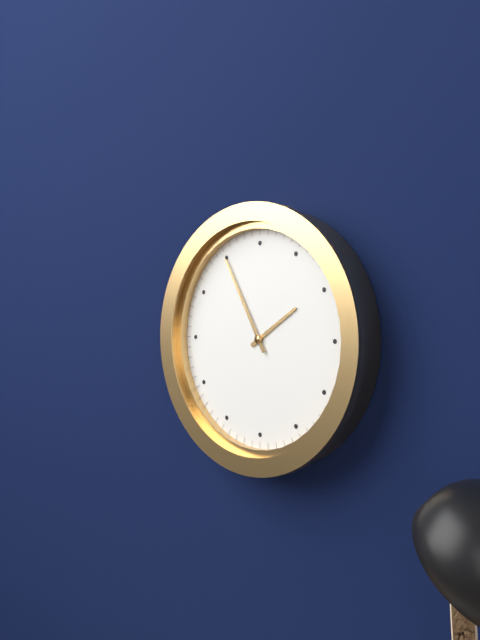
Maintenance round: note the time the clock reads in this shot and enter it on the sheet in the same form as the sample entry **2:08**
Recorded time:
**1:55**
